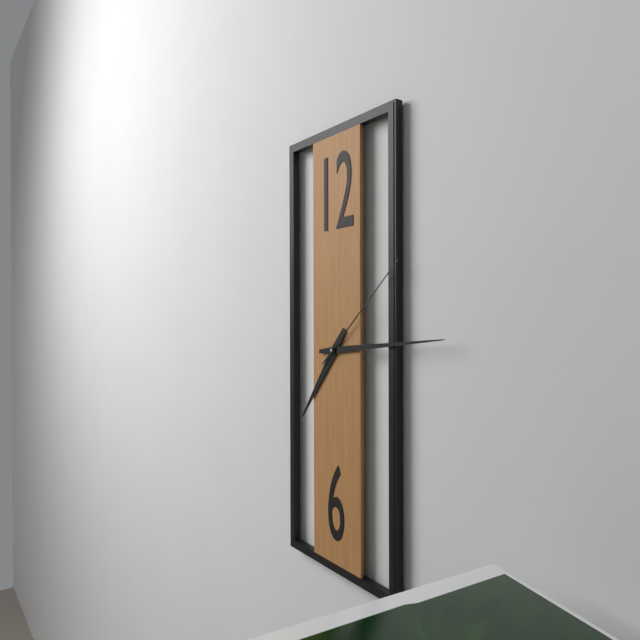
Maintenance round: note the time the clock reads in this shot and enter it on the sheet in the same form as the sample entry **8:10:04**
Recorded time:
**7:14:08**
